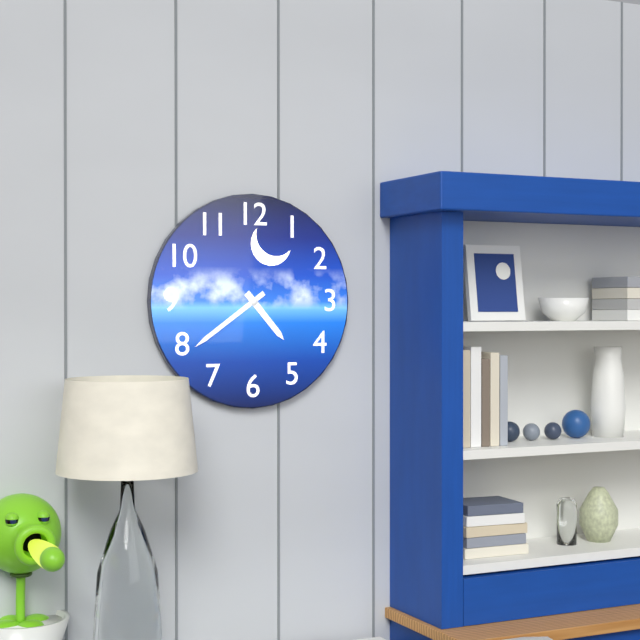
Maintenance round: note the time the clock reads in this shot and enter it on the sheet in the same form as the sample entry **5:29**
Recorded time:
**4:39**
